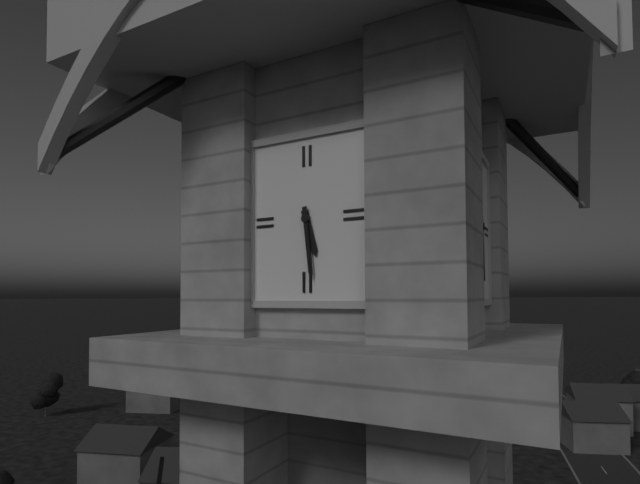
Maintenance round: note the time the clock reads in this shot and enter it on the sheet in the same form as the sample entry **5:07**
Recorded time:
**5:29**
